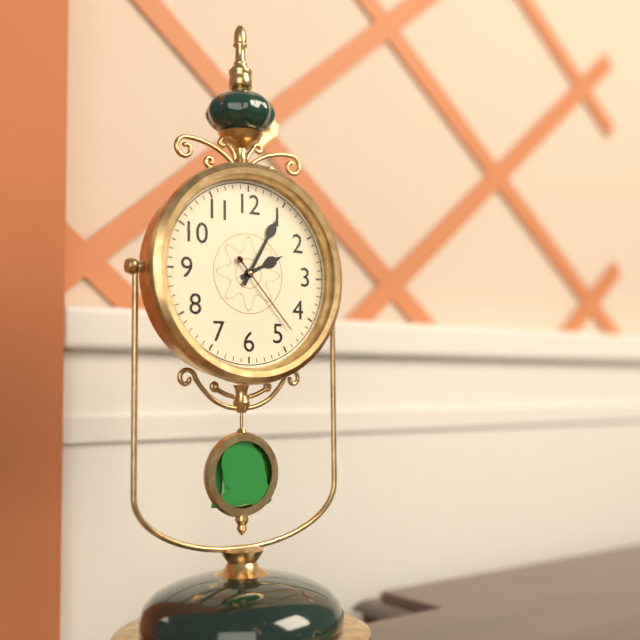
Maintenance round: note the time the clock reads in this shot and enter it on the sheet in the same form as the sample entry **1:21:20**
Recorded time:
**2:05:23**
